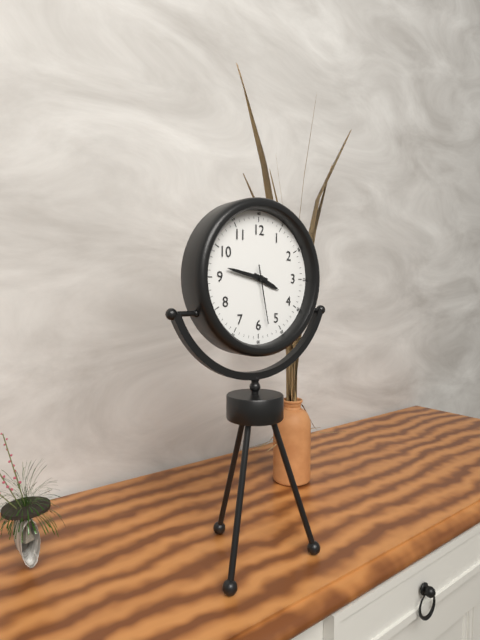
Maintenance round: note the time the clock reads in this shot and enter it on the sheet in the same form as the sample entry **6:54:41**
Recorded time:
**3:47:28**
